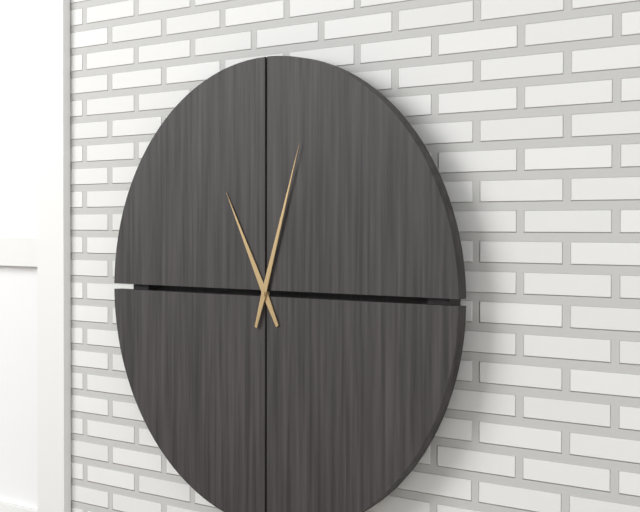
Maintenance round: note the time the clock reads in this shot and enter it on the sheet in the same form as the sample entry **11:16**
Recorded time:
**11:03**
